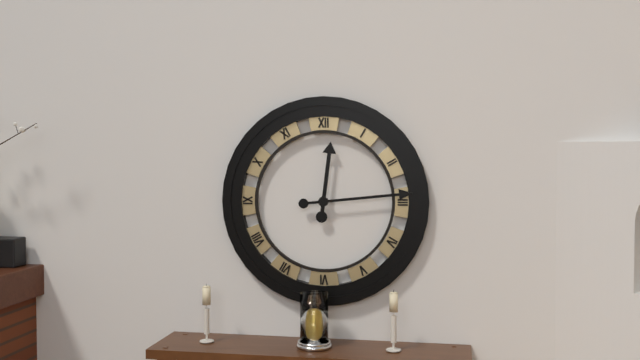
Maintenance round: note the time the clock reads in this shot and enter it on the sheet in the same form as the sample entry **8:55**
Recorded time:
**12:14**
